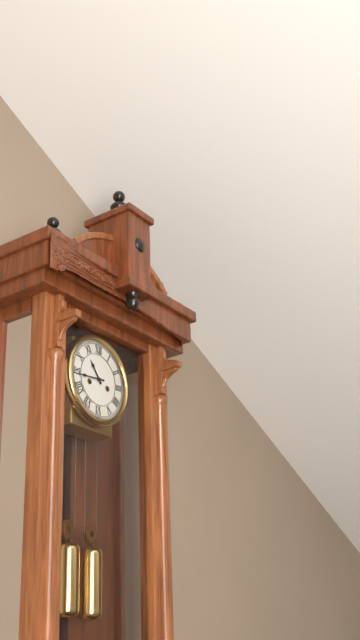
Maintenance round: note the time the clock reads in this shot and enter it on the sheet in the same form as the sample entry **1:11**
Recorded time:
**10:44**
